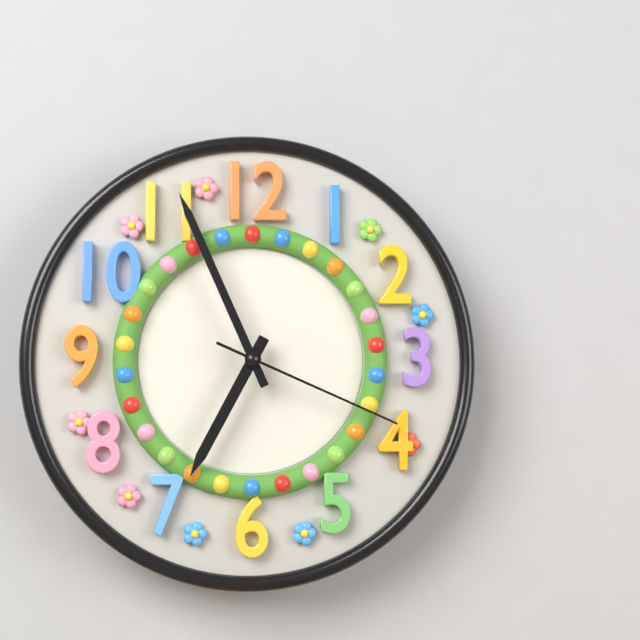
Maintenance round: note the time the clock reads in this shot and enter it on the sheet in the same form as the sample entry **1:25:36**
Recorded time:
**6:56:19**
